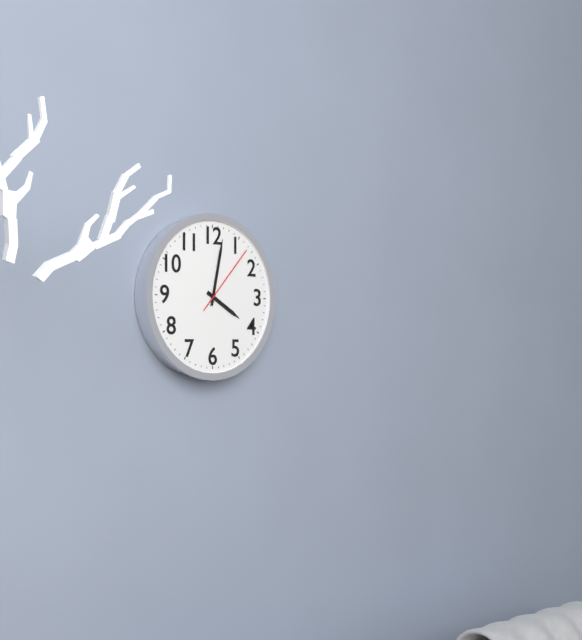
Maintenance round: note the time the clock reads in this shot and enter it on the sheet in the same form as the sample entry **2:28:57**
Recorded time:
**4:02:07**
